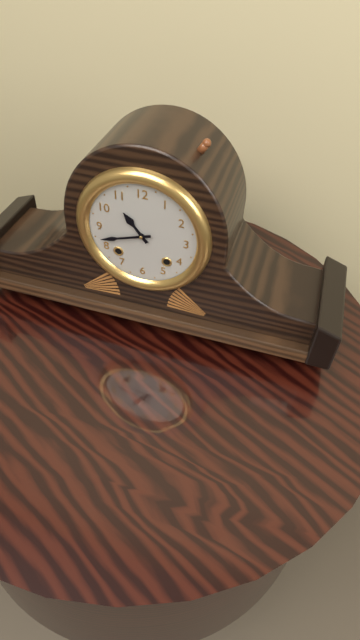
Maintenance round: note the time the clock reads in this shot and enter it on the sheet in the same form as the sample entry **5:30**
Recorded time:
**10:42**
